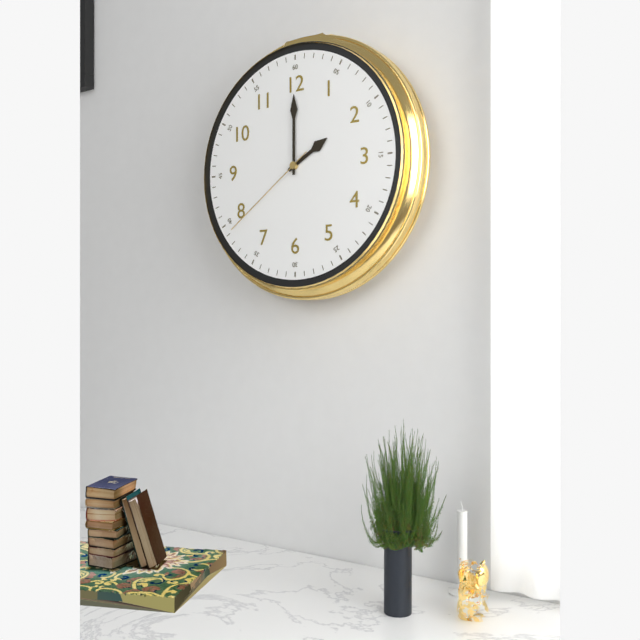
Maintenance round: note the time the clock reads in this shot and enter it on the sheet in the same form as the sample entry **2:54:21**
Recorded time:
**2:00:39**
